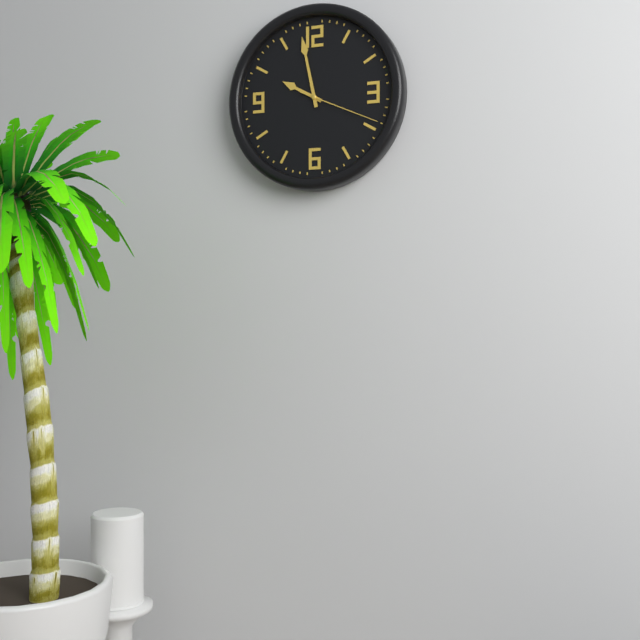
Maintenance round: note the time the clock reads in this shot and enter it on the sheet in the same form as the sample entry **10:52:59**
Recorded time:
**9:58:19**
